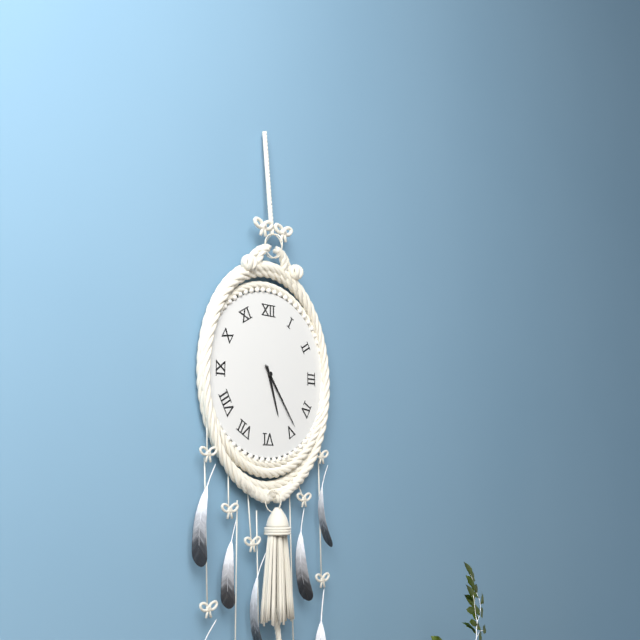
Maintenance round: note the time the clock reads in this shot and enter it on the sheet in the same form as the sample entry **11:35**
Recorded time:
**5:24**
